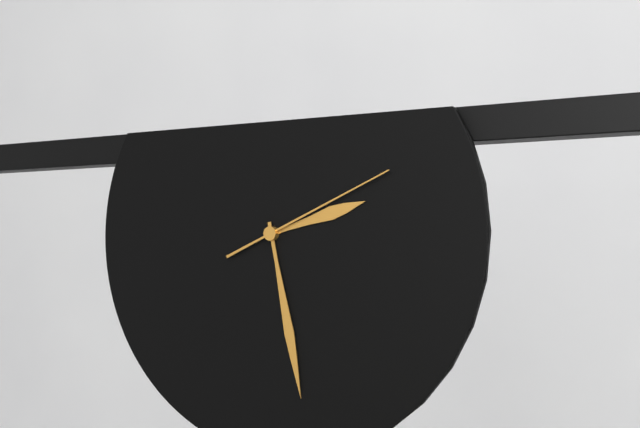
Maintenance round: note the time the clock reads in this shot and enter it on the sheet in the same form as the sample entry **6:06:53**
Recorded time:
**2:28:11**
